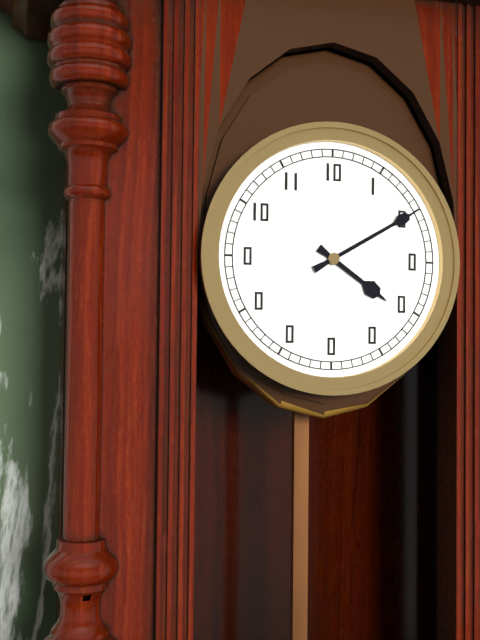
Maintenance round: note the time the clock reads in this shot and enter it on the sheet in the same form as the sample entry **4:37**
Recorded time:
**4:10**
